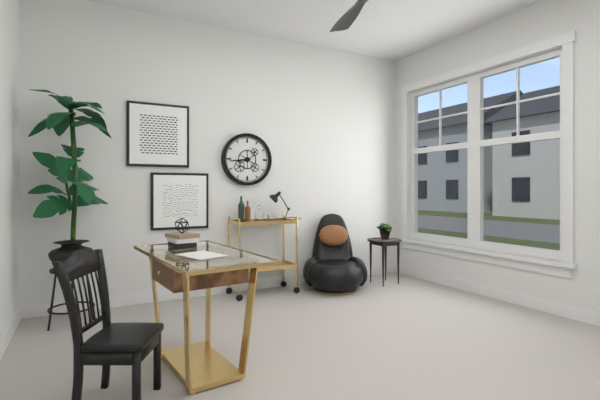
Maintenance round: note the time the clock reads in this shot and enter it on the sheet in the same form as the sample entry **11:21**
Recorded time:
**8:44**
